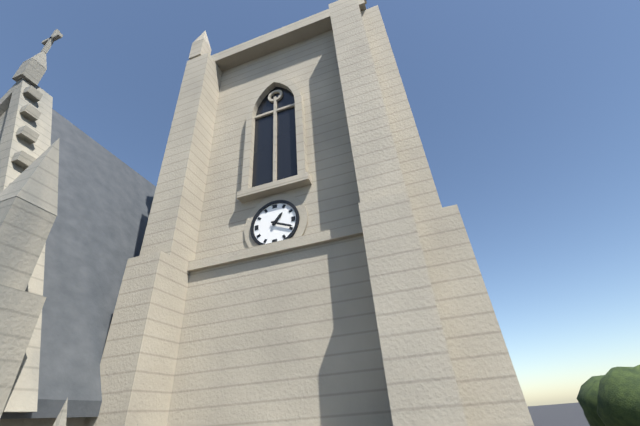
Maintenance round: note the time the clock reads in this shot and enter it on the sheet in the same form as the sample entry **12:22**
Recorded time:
**1:19**
